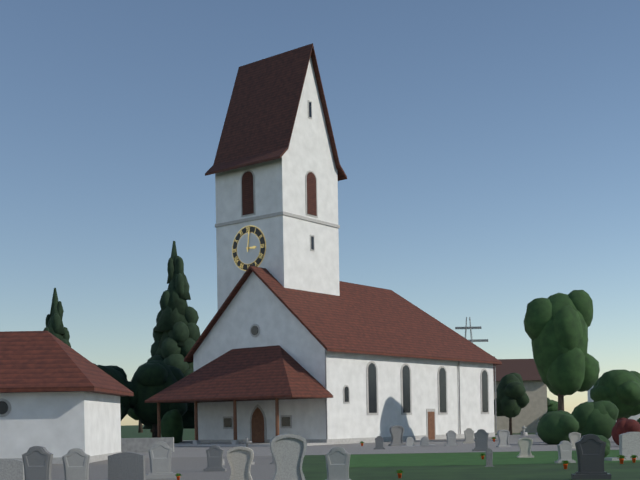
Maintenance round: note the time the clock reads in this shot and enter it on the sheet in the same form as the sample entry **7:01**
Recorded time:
**3:01**
